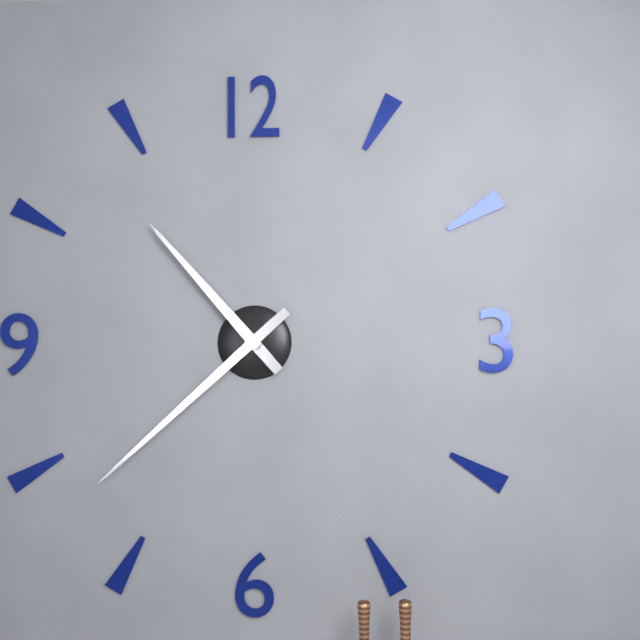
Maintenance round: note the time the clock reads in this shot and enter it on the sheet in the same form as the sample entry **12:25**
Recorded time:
**10:38**
